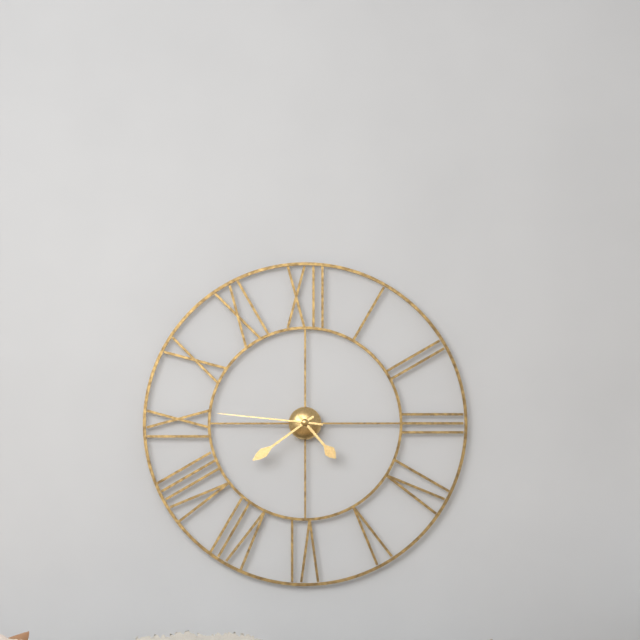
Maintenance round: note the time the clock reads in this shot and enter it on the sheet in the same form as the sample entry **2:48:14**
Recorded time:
**4:39:46**
